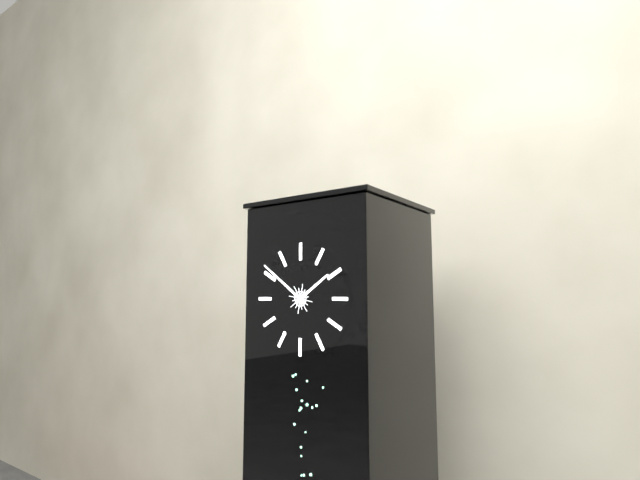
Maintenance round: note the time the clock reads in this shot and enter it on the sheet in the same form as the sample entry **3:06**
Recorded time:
**1:51**
